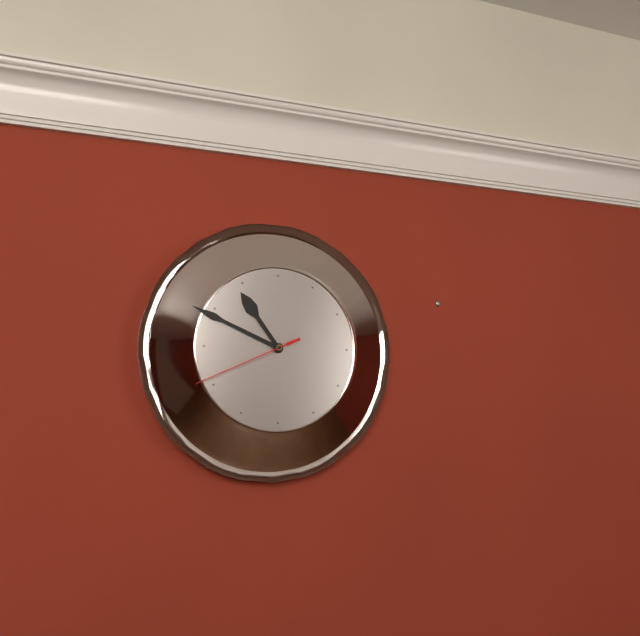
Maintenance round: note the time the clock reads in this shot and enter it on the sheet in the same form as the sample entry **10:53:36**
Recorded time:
**10:49:41**
